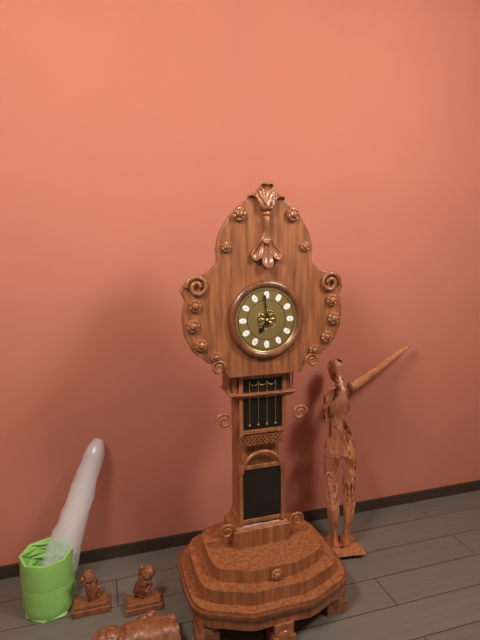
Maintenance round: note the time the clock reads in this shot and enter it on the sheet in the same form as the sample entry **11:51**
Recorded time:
**6:59**
